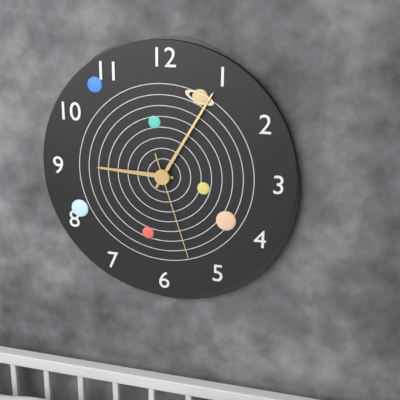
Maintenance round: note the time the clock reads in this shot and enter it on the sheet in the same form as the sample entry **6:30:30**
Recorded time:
**9:05:27**
